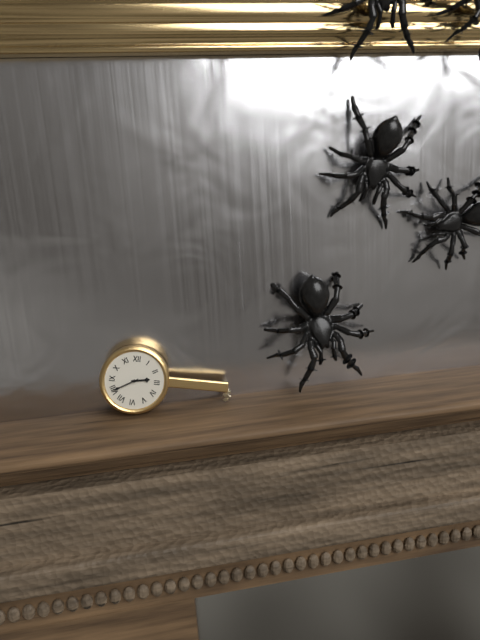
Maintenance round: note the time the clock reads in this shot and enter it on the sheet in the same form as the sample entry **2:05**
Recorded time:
**2:40**
